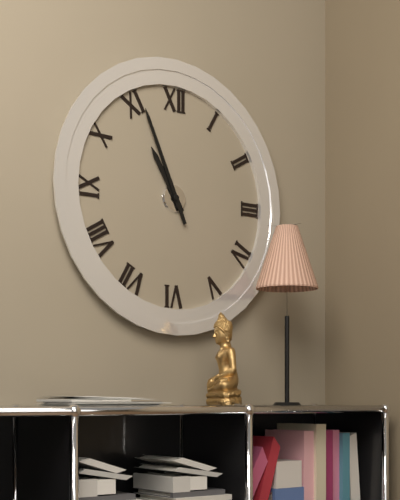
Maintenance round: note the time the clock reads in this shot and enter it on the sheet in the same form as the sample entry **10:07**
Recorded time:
**10:56**
